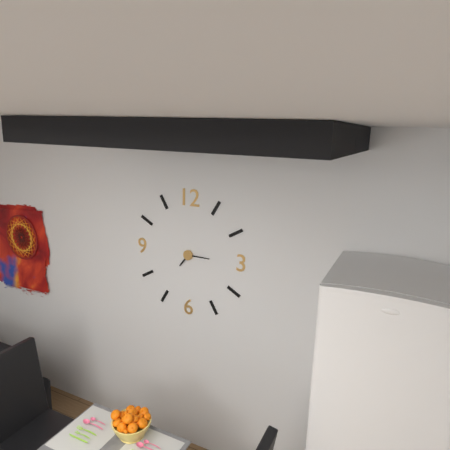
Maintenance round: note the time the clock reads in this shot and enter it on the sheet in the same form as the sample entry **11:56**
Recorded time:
**7:15**
